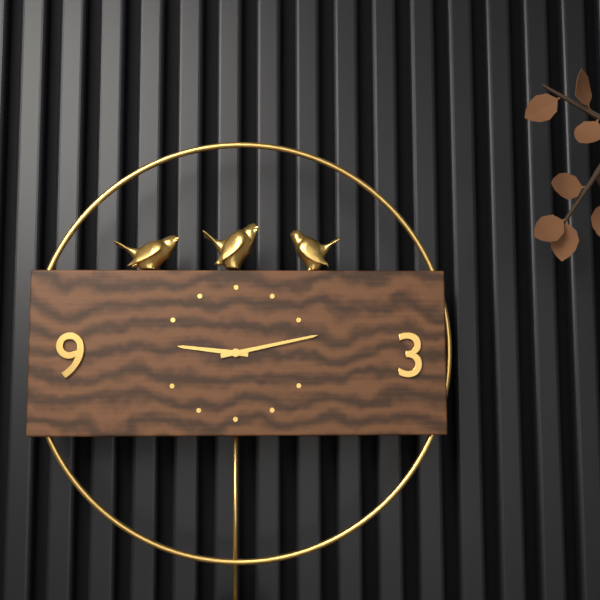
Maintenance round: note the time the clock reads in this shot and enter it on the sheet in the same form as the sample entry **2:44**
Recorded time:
**9:13**
